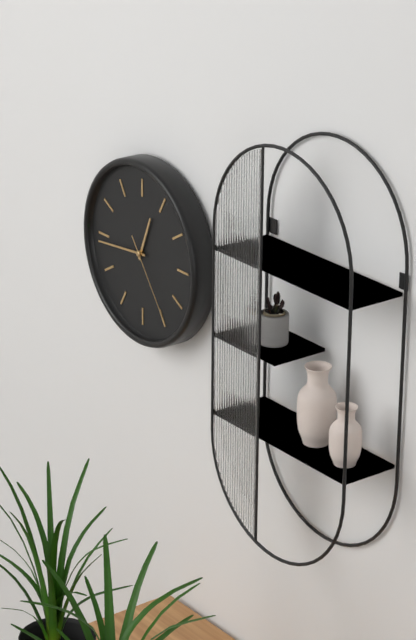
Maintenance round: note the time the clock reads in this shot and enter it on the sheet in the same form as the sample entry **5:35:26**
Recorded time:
**12:44:24**
